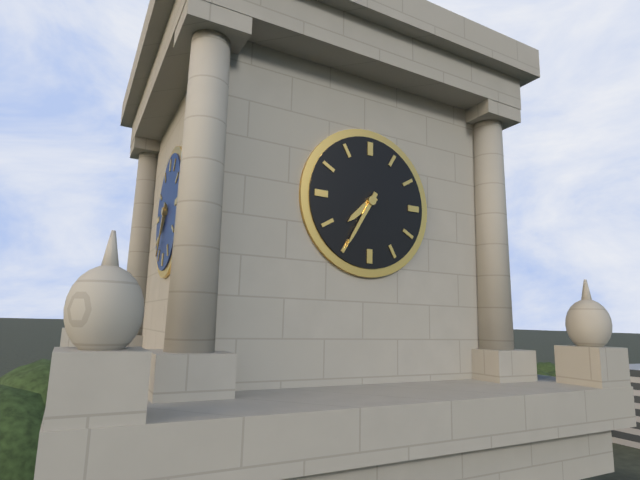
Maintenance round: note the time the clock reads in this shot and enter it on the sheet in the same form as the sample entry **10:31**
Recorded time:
**7:35**
